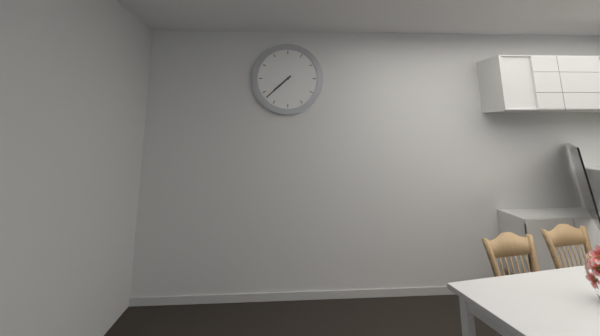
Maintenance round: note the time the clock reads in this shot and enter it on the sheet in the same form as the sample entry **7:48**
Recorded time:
**7:38**
